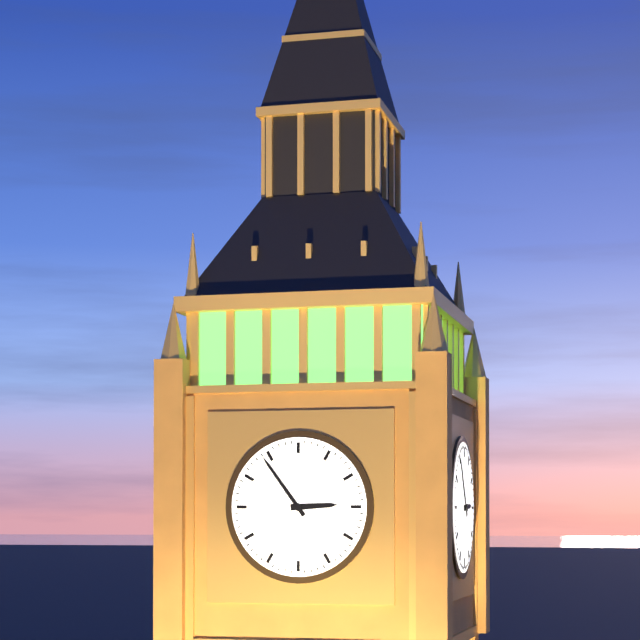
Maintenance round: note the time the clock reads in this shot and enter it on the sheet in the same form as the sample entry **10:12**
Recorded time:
**2:54**
